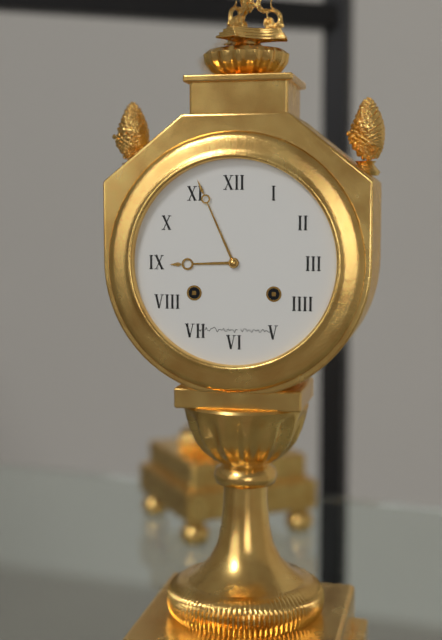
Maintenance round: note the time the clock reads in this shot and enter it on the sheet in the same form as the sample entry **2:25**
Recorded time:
**8:56**
